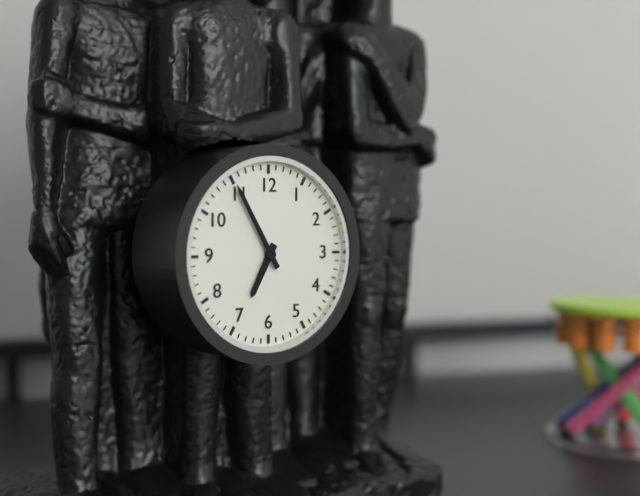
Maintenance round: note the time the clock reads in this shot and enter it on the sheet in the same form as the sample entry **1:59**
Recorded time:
**6:55**
